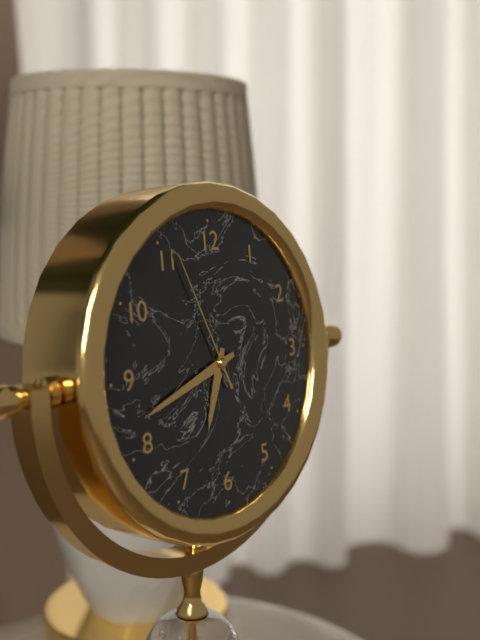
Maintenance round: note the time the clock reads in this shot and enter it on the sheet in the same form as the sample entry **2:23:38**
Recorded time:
**6:42:56**
